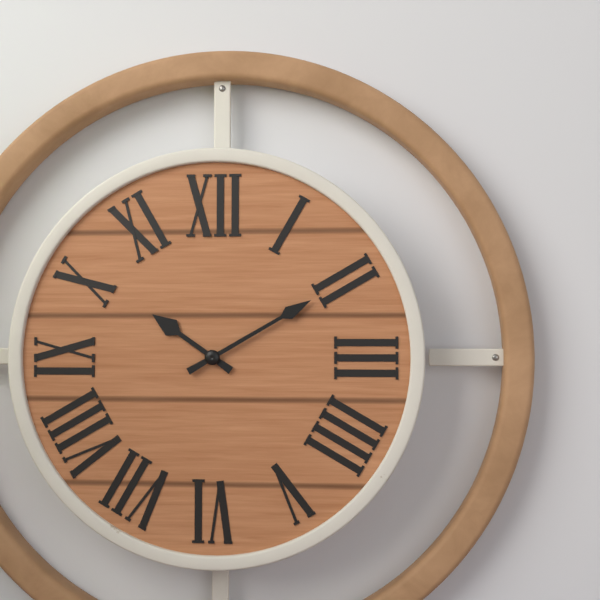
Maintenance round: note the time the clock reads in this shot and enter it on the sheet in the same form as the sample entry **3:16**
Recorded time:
**10:10**
